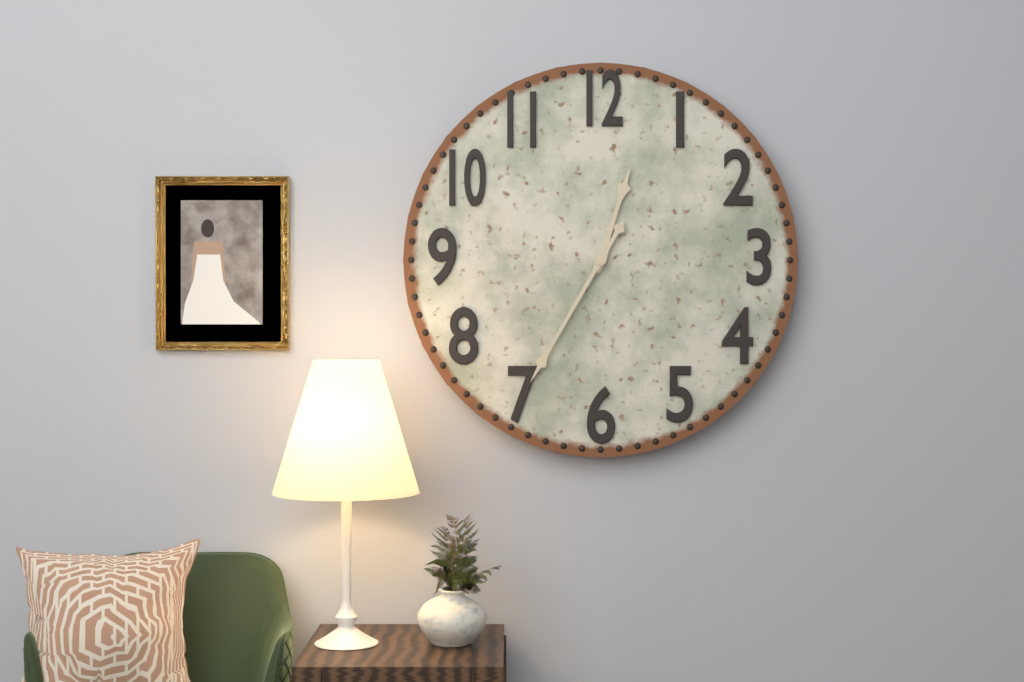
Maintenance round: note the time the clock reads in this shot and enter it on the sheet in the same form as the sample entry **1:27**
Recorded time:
**12:35**
